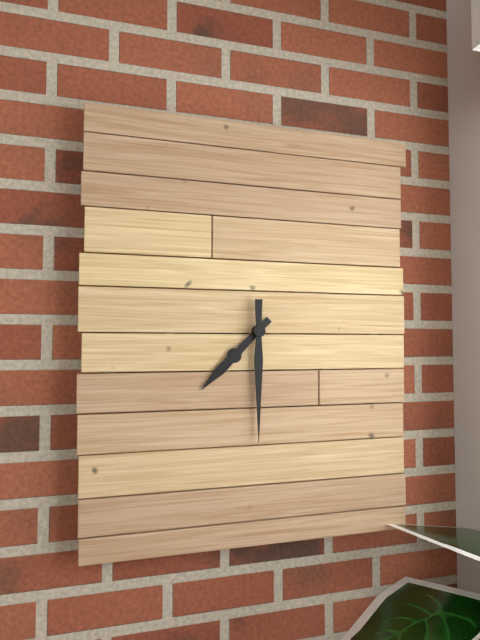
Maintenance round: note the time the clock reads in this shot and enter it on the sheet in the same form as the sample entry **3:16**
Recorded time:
**7:30**
